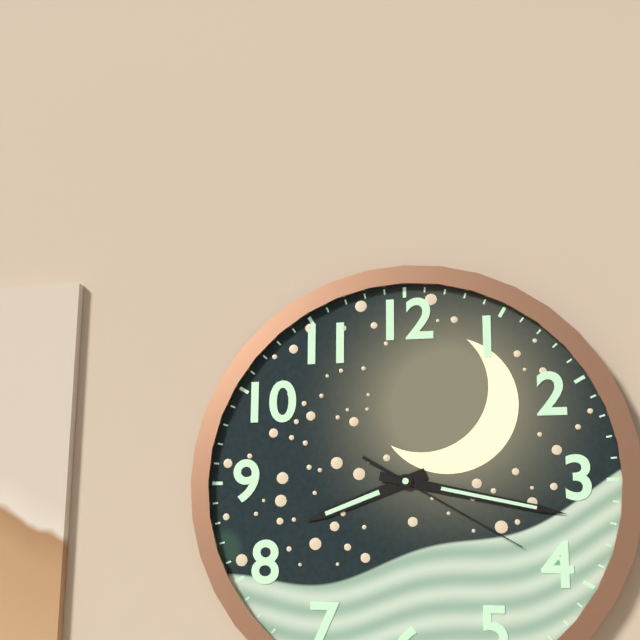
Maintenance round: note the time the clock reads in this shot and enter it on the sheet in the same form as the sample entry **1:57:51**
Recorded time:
**8:17:20**
